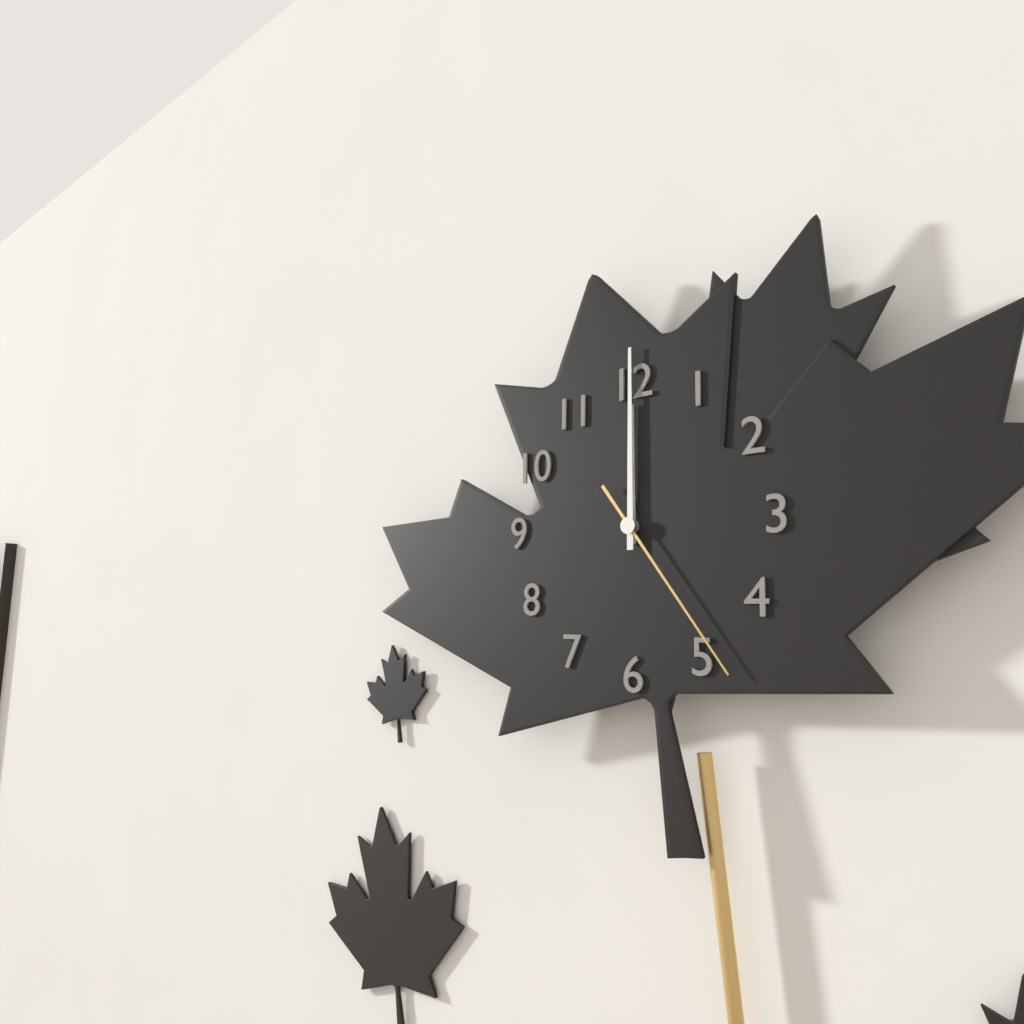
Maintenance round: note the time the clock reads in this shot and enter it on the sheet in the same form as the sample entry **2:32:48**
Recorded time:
**12:00:24**
